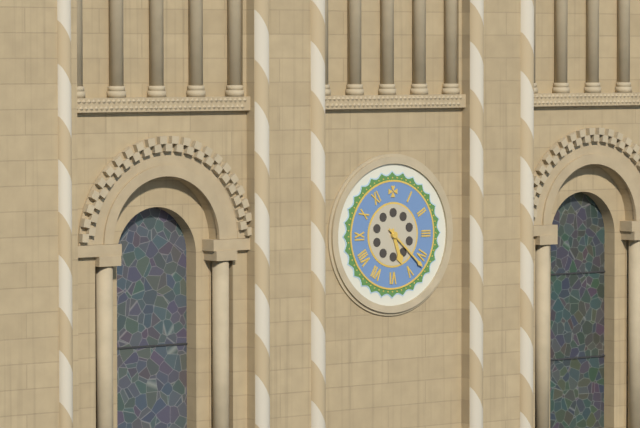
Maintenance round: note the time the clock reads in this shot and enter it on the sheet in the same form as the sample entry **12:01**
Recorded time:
**5:22**
